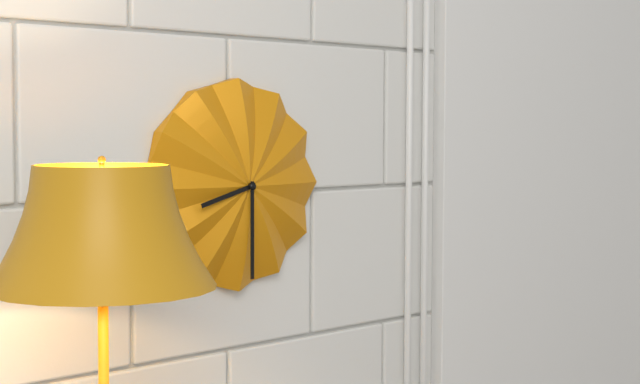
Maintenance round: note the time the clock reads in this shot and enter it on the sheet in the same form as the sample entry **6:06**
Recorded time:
**8:30**
